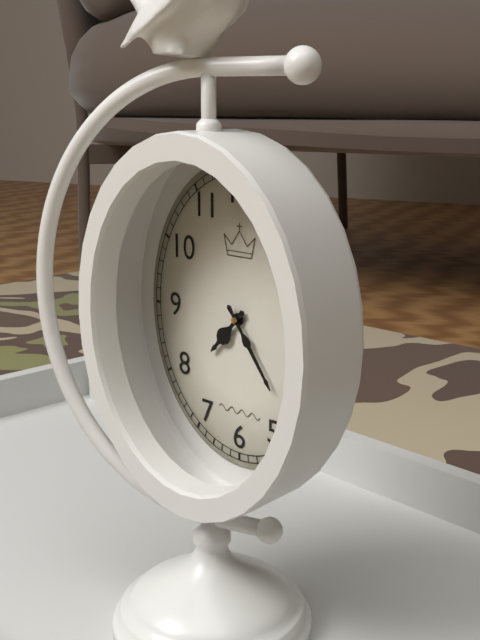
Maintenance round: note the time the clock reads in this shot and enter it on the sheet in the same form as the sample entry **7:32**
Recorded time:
**7:24**
